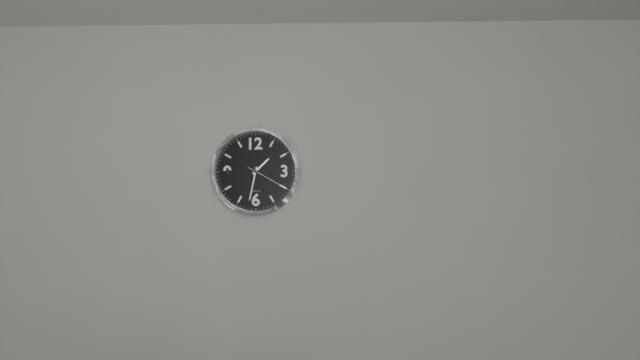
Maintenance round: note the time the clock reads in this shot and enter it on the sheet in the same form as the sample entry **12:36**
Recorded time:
**1:32**
